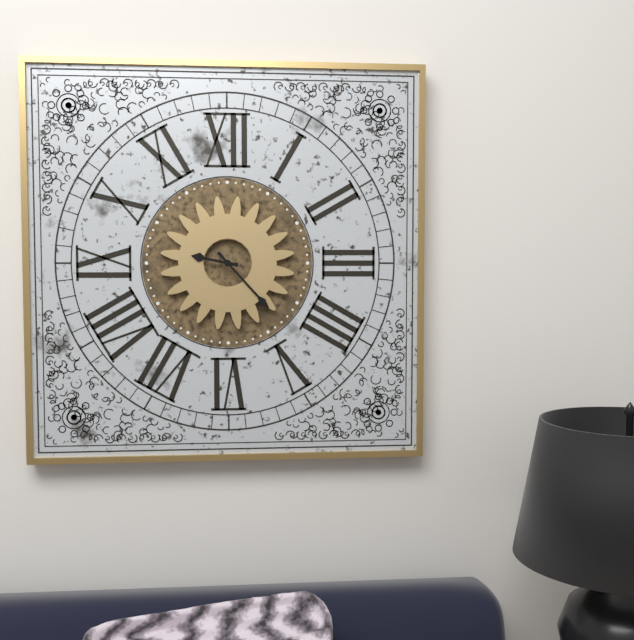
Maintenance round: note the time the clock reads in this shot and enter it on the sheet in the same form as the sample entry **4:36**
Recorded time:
**9:23**
